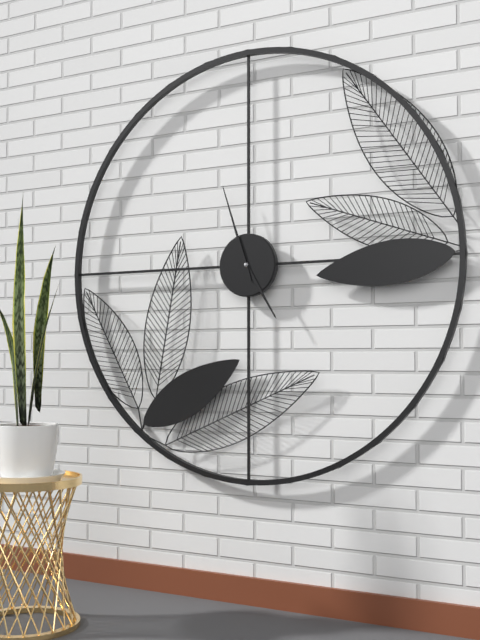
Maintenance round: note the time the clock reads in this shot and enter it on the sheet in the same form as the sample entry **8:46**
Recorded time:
**4:57**
